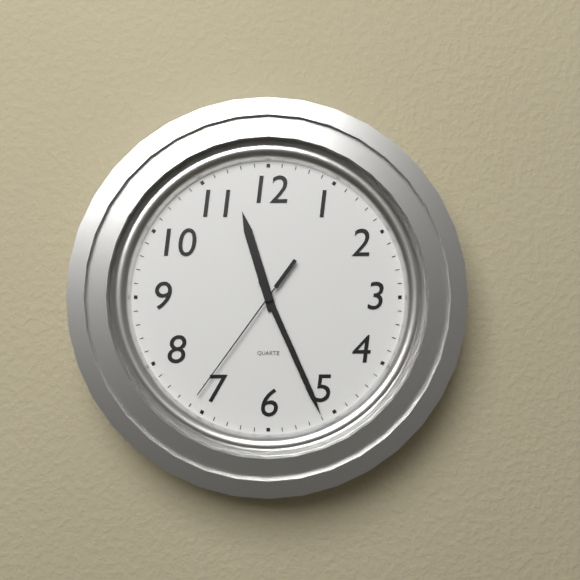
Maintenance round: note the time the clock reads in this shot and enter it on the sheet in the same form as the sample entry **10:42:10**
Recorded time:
**11:26:36**
